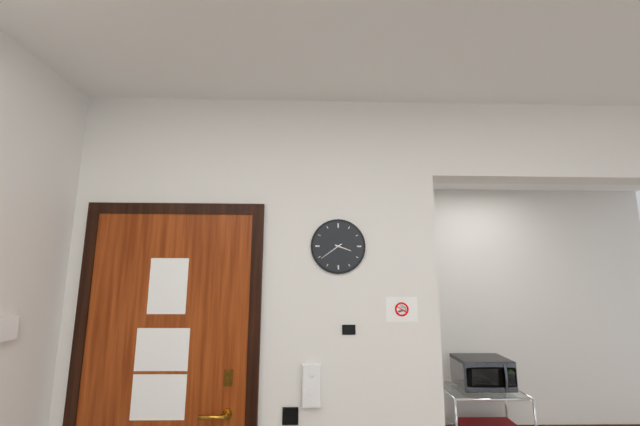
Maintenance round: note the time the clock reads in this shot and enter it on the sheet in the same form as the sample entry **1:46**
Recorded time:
**3:39**
